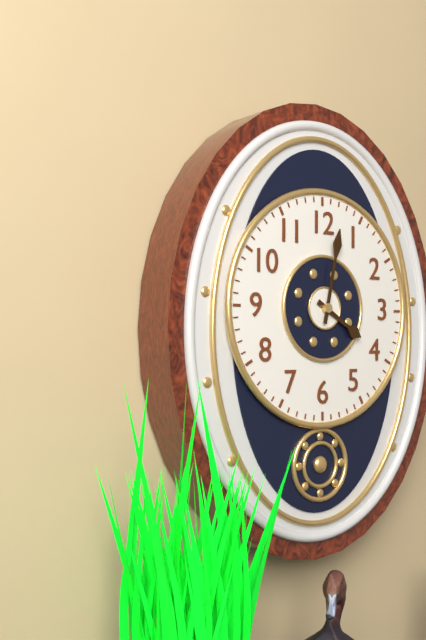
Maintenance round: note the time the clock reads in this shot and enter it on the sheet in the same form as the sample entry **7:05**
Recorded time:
**4:02**
